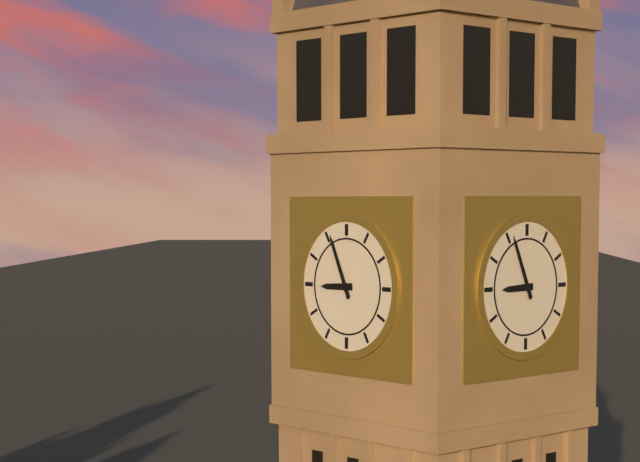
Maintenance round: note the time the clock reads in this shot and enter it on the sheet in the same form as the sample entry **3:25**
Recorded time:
**8:56**
